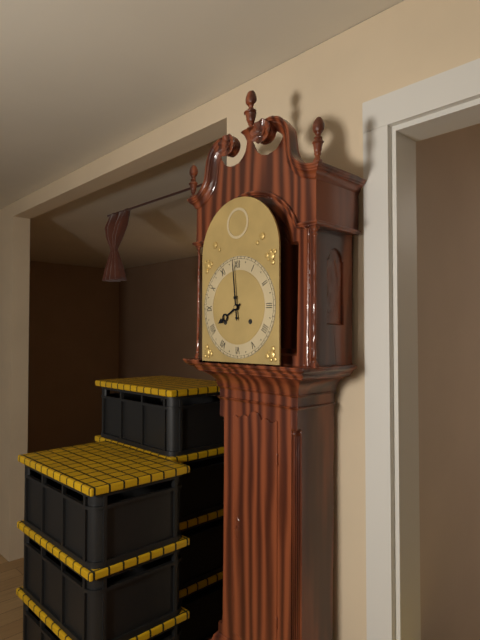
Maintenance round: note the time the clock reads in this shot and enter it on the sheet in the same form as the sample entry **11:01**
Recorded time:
**7:59**
